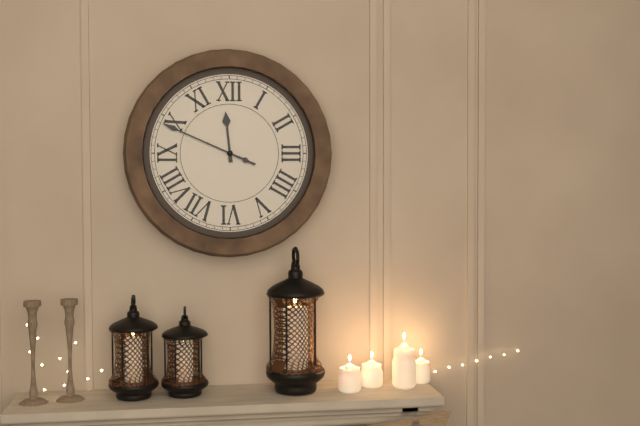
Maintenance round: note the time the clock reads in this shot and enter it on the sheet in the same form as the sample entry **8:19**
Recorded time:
**11:49**
